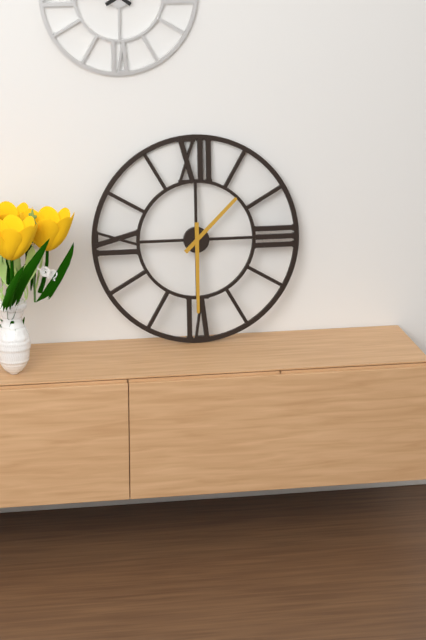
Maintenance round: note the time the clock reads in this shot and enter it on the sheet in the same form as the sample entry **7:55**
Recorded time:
**1:30**
